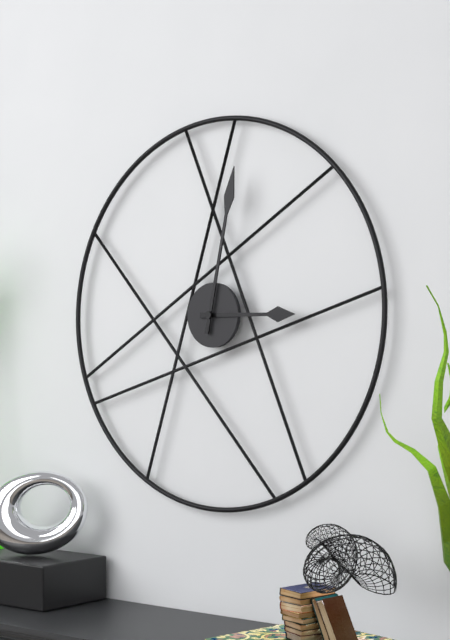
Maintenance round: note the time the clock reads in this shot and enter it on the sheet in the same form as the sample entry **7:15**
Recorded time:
**3:02**
